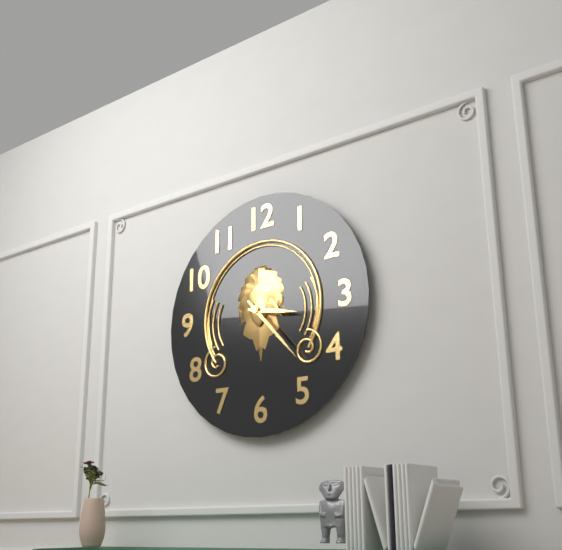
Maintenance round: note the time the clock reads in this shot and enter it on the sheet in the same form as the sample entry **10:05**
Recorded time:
**3:23**
